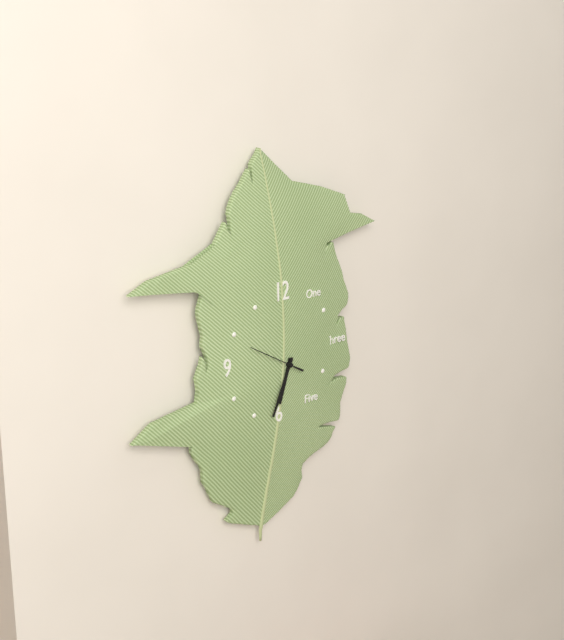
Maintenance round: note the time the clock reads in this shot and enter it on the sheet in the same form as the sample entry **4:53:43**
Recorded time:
**6:34:50**
